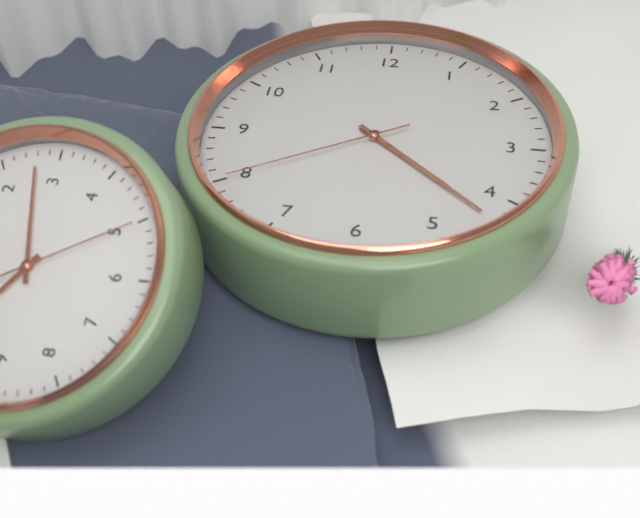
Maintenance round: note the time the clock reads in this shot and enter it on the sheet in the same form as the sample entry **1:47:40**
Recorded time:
**4:22:40**
